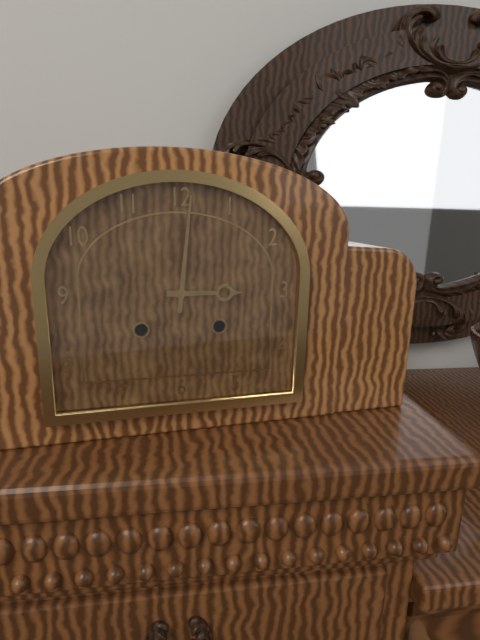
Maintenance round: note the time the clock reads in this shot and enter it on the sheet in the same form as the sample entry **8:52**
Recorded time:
**3:01**
